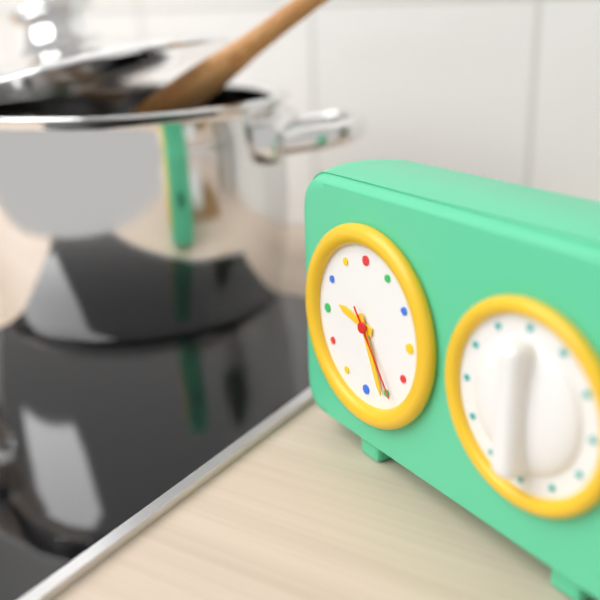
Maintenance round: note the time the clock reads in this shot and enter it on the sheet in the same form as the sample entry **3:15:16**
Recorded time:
**9:26:24**
